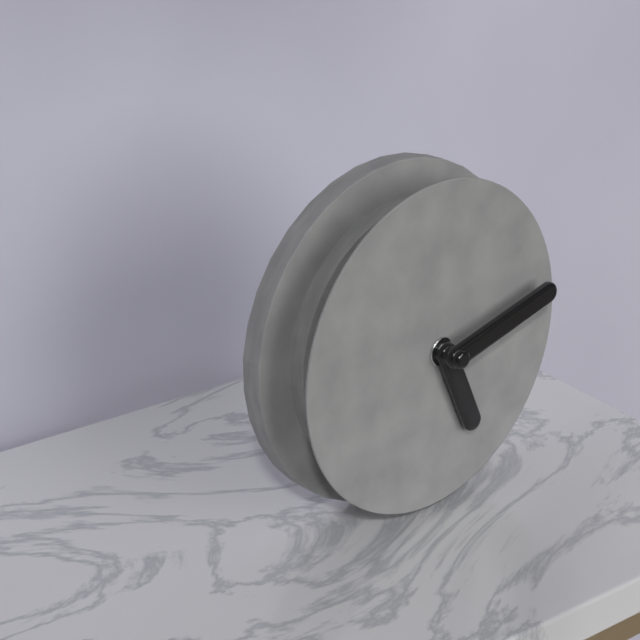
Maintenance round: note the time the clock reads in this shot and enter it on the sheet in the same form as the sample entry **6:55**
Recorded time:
**5:13**
